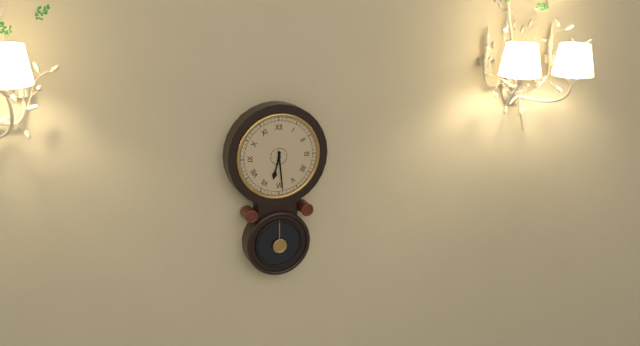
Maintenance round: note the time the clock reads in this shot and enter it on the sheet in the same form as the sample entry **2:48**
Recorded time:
**6:29**
